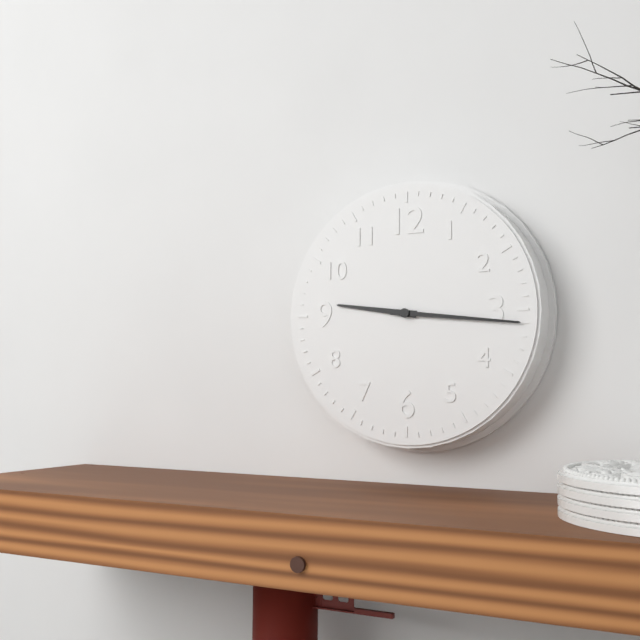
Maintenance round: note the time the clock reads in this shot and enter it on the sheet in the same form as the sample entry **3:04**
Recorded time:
**9:16**
